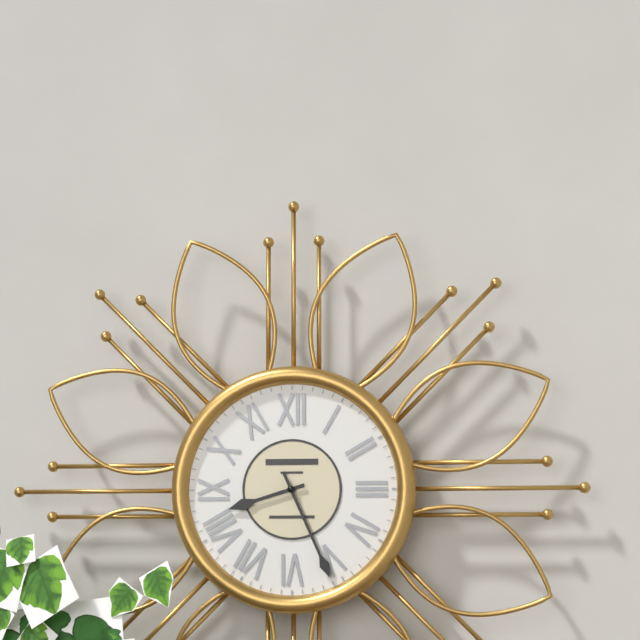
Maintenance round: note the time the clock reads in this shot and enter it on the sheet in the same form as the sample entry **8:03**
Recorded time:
**8:26**
